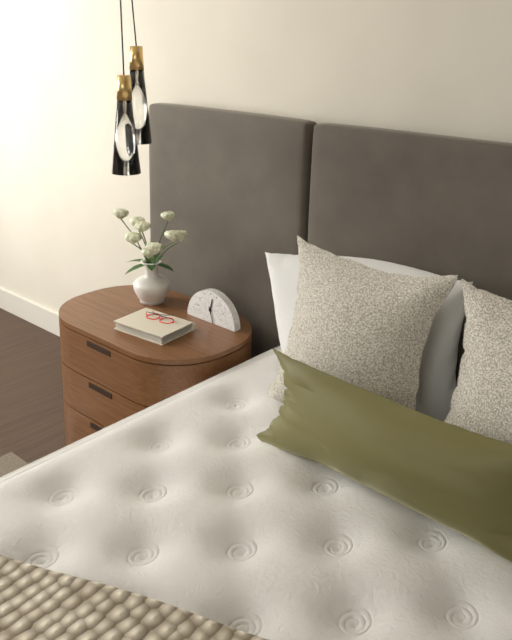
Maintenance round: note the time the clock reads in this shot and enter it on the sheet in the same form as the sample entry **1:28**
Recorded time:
**12:27**
